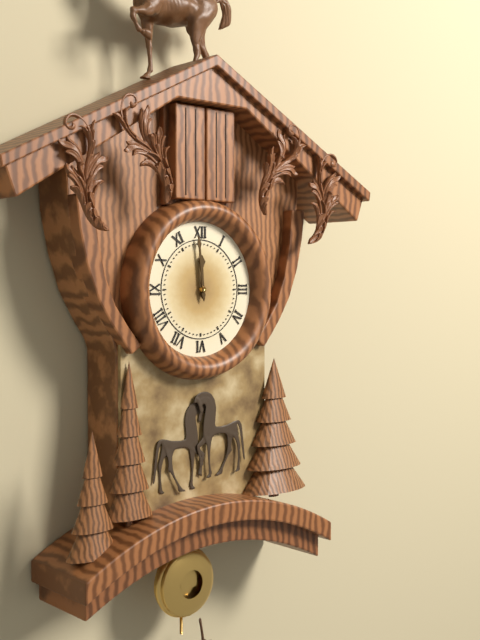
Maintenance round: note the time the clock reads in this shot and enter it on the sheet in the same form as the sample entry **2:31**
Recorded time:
**11:59**
